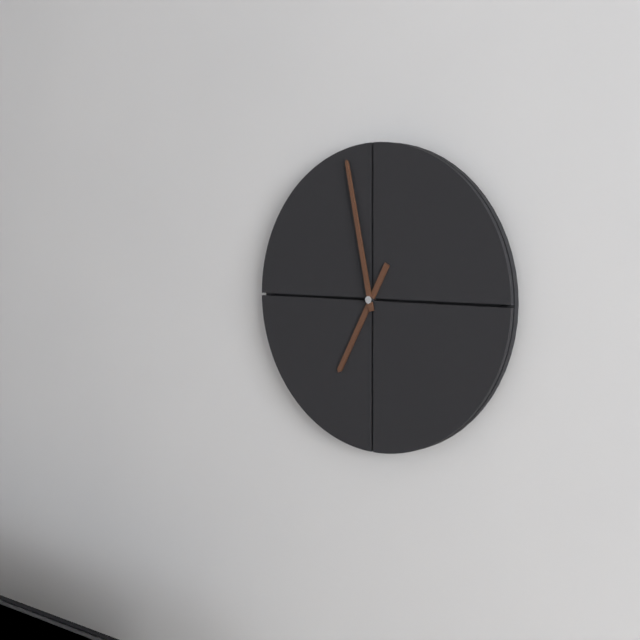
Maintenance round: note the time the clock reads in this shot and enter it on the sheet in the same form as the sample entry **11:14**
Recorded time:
**6:58**
